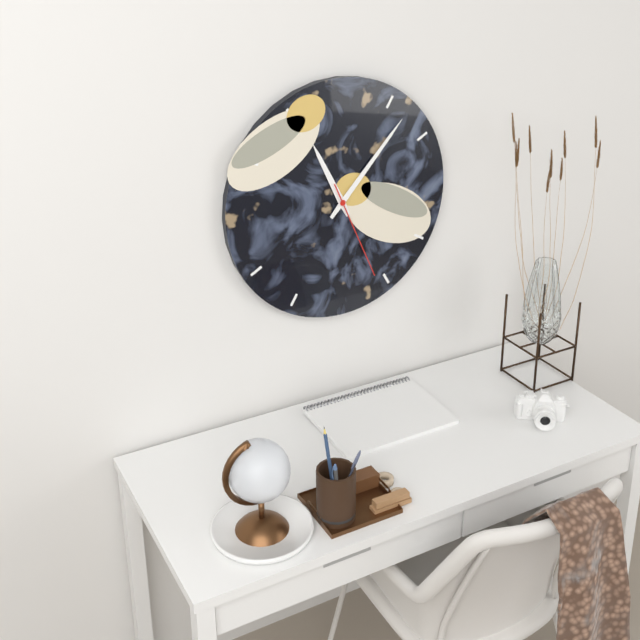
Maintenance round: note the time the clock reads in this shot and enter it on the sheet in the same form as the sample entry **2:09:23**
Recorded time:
**11:07:26**
